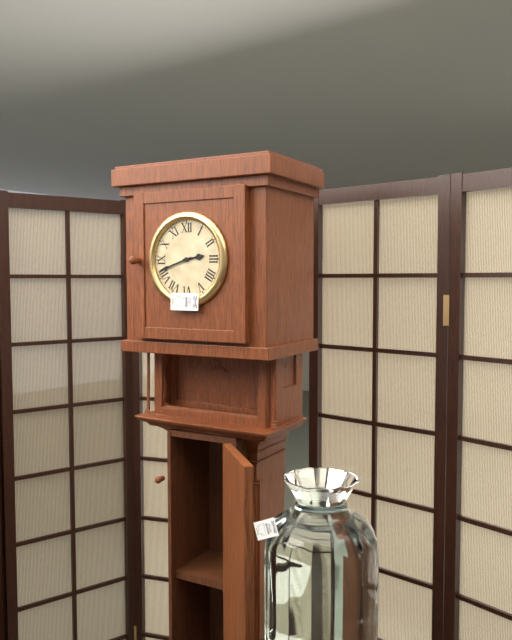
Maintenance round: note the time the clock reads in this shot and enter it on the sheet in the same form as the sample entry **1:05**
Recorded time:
**2:42**
